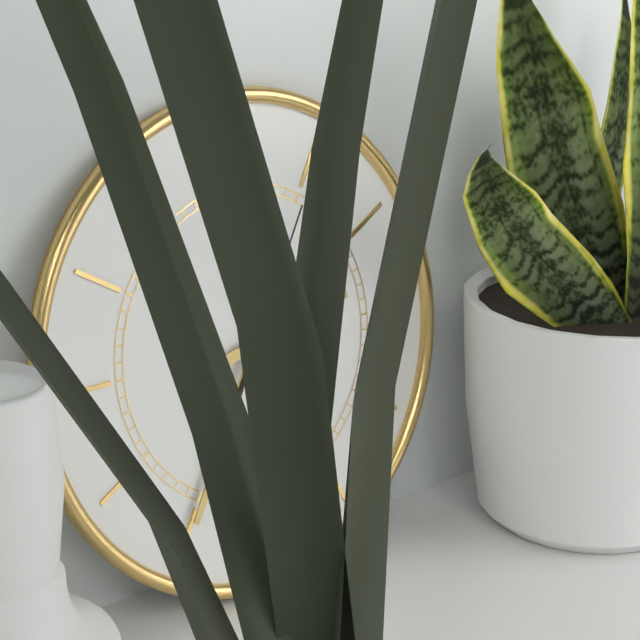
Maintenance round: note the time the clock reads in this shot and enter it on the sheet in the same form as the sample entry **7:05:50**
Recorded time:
**2:35:05**
